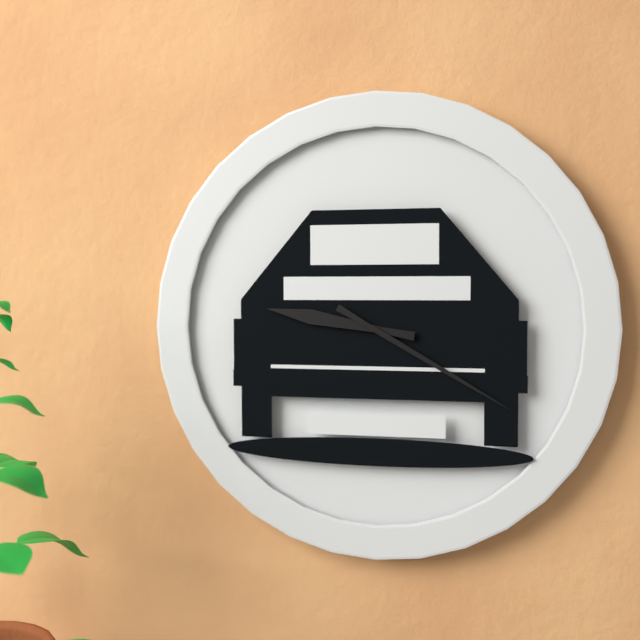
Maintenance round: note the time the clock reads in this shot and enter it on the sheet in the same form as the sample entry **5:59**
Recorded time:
**9:20**
